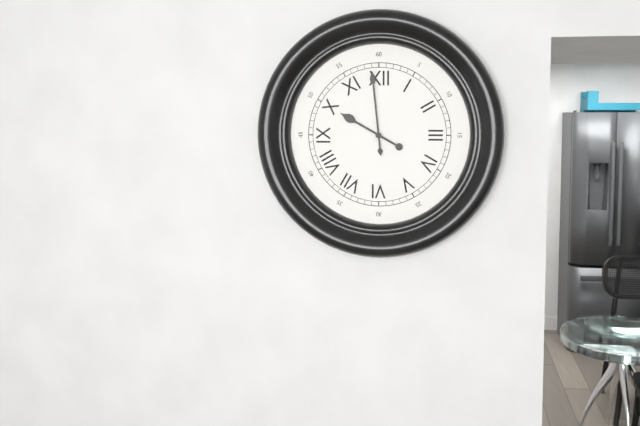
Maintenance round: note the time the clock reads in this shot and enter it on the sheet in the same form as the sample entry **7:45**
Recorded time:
**9:59**
